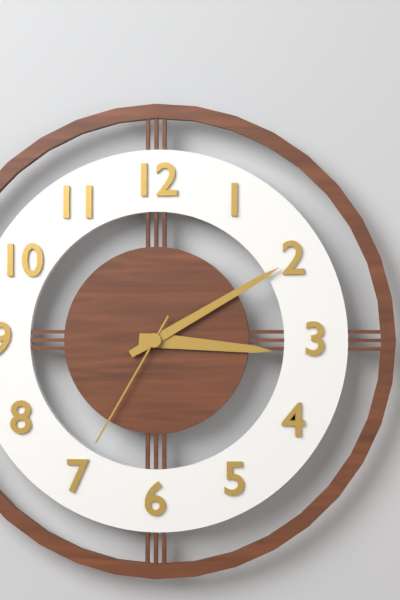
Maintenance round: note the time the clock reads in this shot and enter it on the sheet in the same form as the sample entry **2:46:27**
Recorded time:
**3:10:35**
